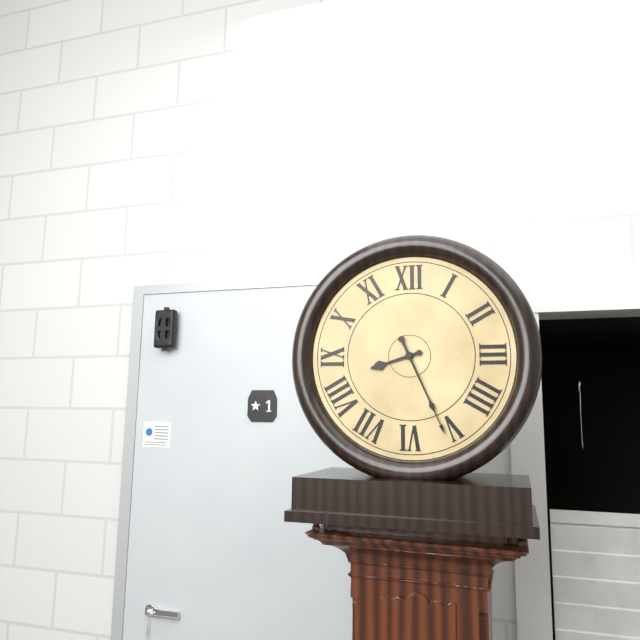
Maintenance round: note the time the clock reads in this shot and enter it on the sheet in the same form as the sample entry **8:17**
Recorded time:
**8:26**
